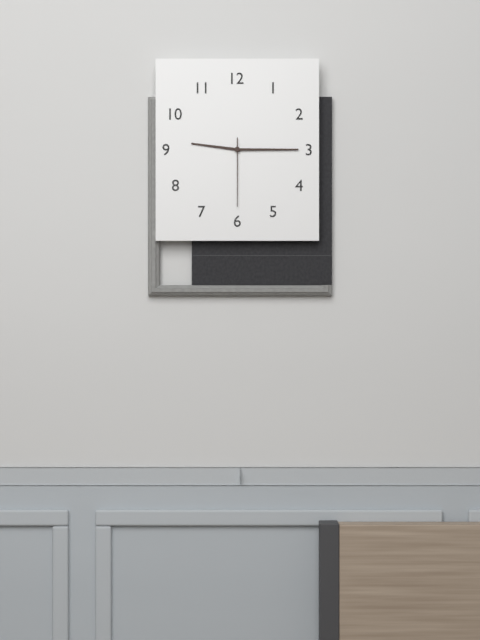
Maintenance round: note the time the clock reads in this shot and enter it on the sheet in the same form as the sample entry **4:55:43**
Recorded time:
**9:15:30**
